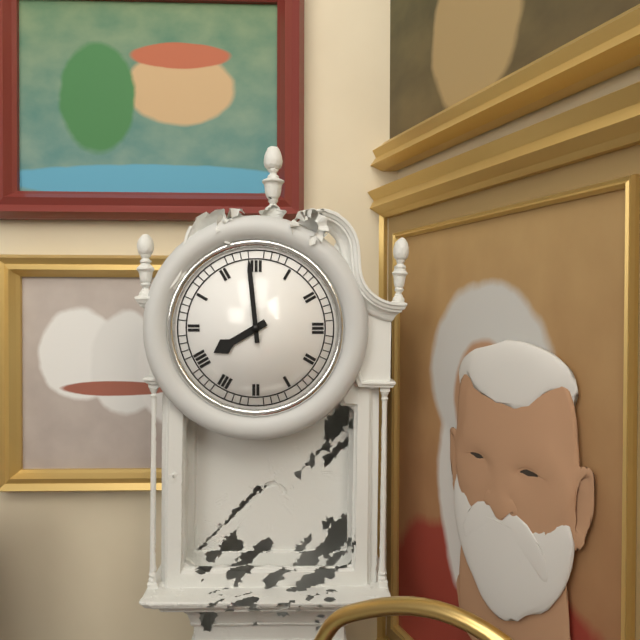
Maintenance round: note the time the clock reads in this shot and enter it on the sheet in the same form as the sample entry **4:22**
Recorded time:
**7:59**
